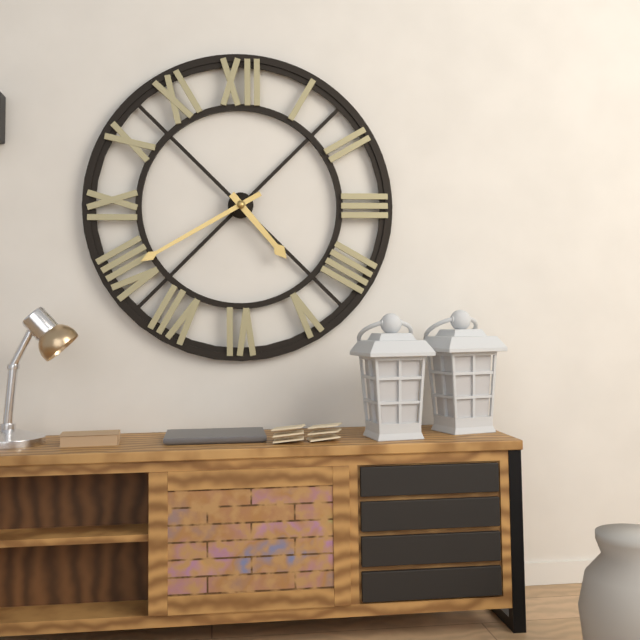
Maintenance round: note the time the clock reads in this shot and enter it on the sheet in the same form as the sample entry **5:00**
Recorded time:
**4:40**
